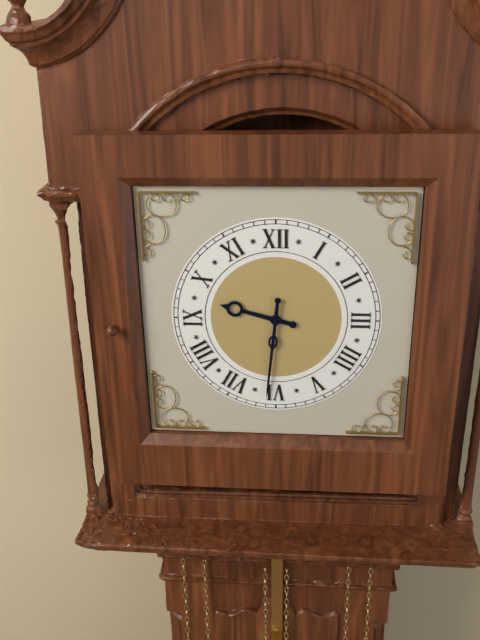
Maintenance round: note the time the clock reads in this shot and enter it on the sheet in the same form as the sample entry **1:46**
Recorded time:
**9:31**
